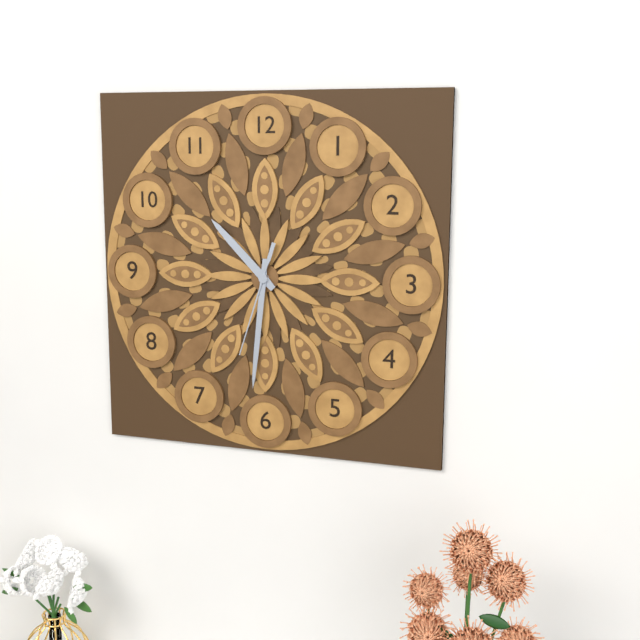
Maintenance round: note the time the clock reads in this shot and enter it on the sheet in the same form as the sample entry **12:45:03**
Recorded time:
**10:31:33**
